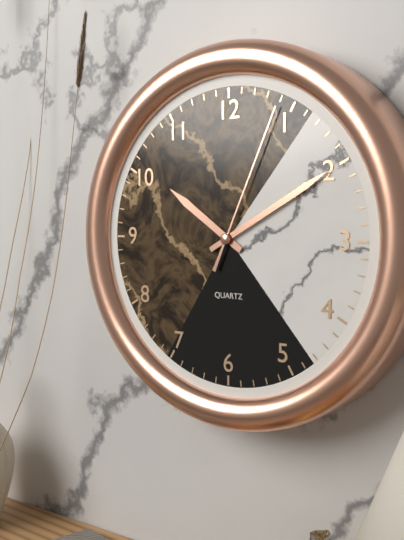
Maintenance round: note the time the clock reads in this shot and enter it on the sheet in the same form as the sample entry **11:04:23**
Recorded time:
**10:10:04**
